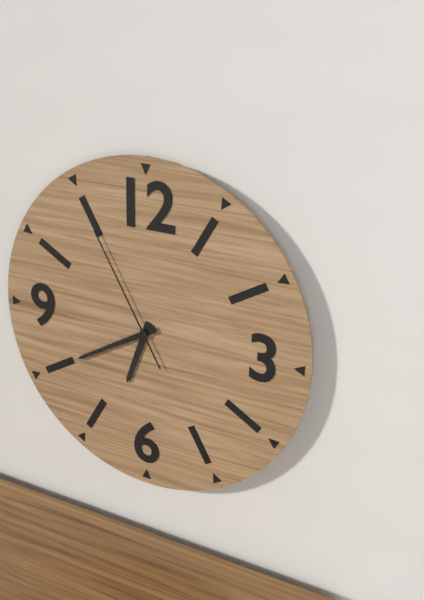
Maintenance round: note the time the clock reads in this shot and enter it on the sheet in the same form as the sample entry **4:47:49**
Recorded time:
**6:40:55**
